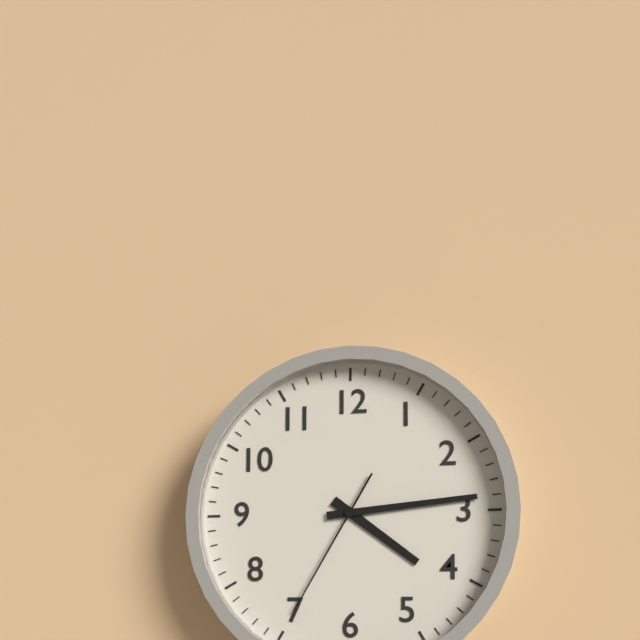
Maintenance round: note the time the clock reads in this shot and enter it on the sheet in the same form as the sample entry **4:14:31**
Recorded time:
**4:14:35**
